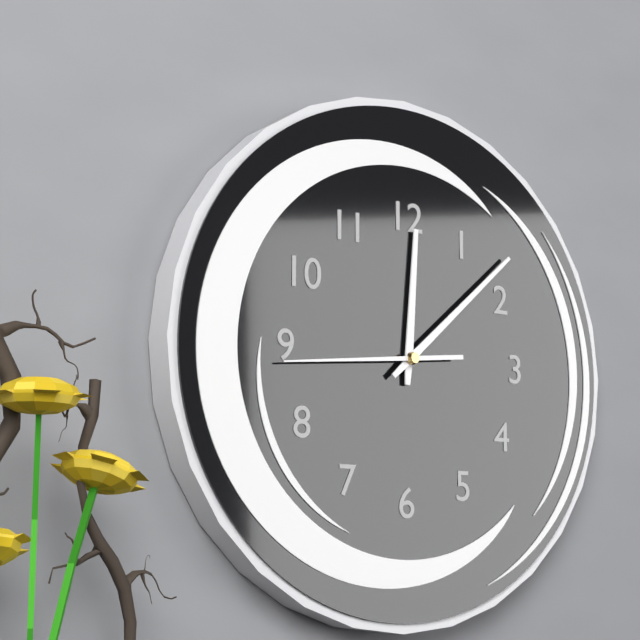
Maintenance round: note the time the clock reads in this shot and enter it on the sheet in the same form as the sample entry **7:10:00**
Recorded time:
**12:08:44**
